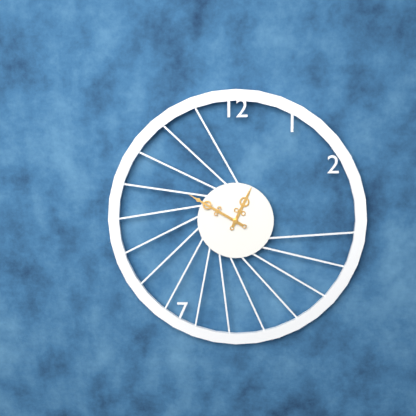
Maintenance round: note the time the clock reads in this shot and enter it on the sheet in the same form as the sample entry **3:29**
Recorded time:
**12:50**
